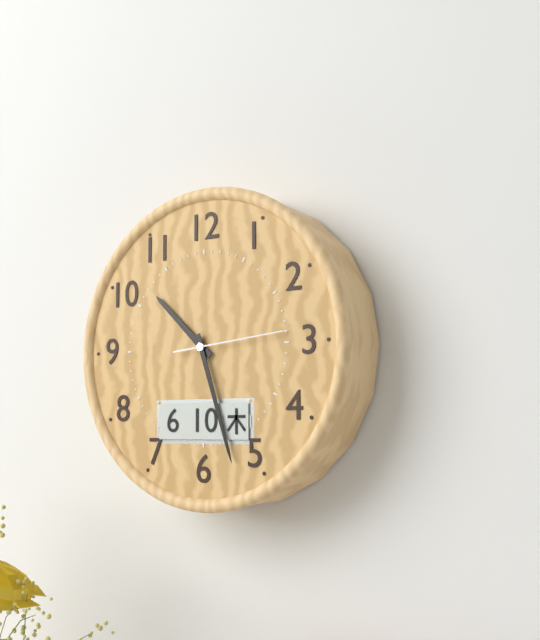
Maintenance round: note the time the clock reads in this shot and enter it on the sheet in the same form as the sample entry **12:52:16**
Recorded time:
**10:27:14**
